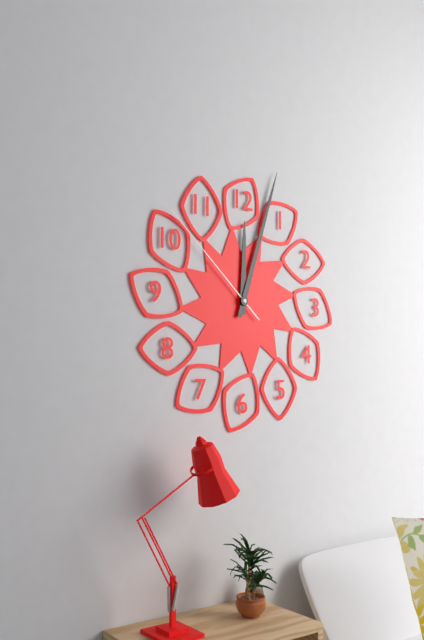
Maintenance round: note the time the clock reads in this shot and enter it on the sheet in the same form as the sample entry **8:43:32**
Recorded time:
**12:03:52**
